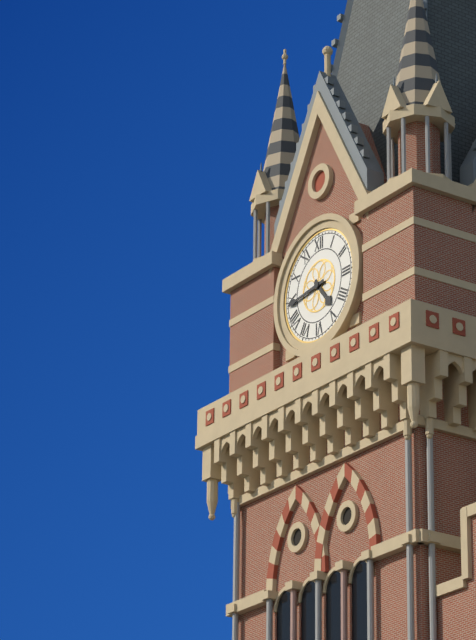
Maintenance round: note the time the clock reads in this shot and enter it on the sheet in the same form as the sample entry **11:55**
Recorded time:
**4:44**
